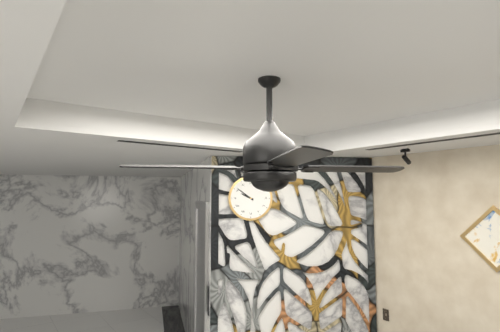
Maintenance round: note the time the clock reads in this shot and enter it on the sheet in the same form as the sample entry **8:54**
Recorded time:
**9:51**
